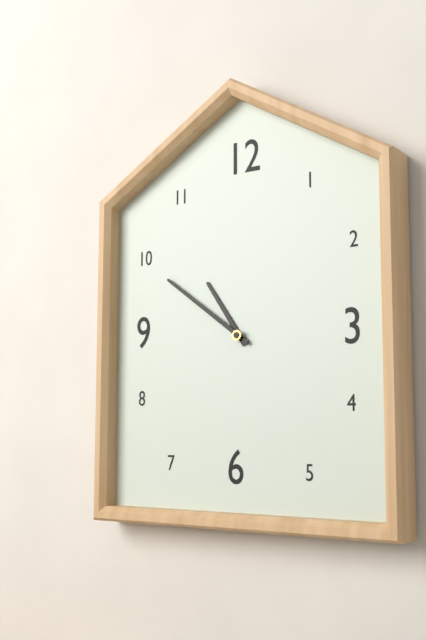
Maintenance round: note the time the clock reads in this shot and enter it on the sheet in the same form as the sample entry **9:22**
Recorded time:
**10:51**
